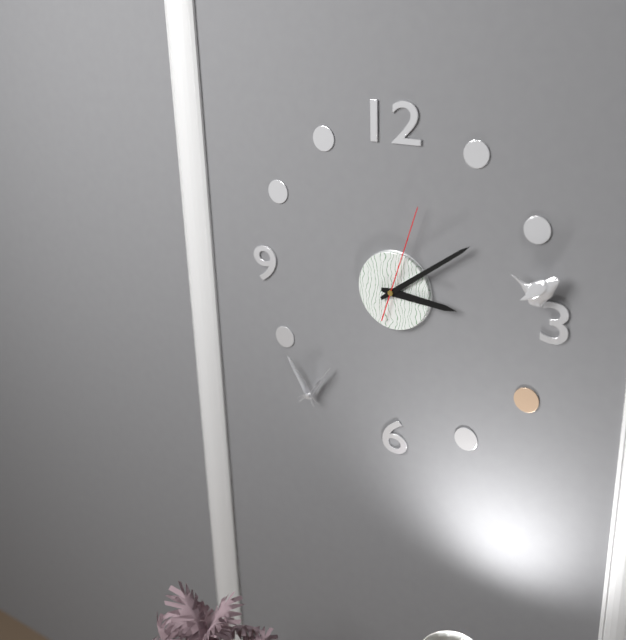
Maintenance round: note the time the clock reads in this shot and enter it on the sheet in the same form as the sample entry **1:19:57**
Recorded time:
**3:09:03**
